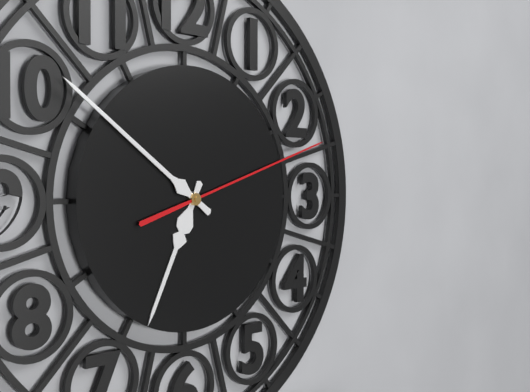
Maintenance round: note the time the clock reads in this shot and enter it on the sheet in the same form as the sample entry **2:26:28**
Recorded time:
**6:51:12**
